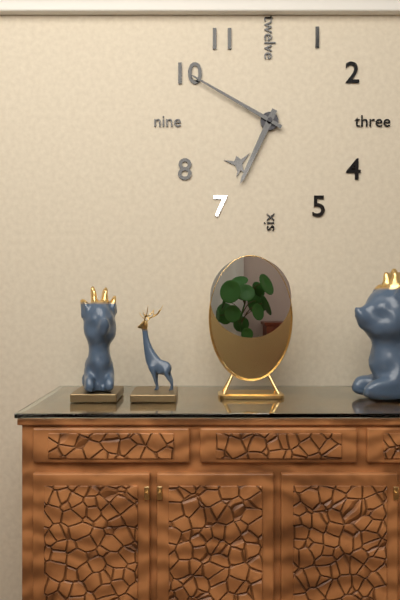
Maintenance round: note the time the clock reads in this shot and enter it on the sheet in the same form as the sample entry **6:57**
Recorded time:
**6:50**
